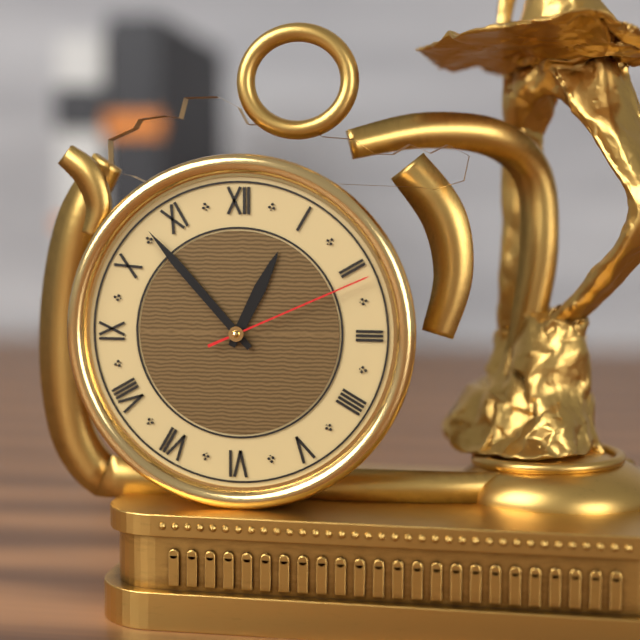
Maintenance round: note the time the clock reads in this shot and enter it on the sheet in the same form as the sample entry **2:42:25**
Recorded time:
**12:53:11**
